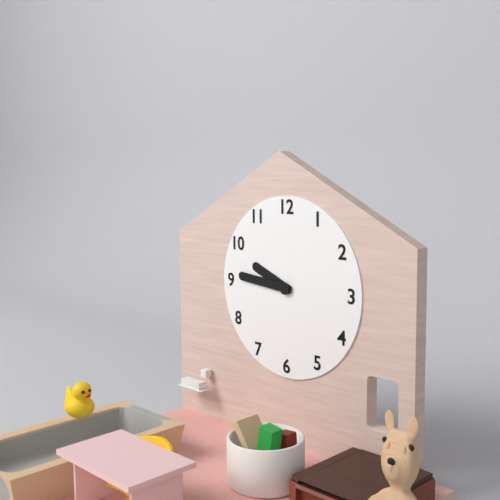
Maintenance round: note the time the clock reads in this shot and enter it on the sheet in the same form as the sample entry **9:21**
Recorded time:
**9:46**
